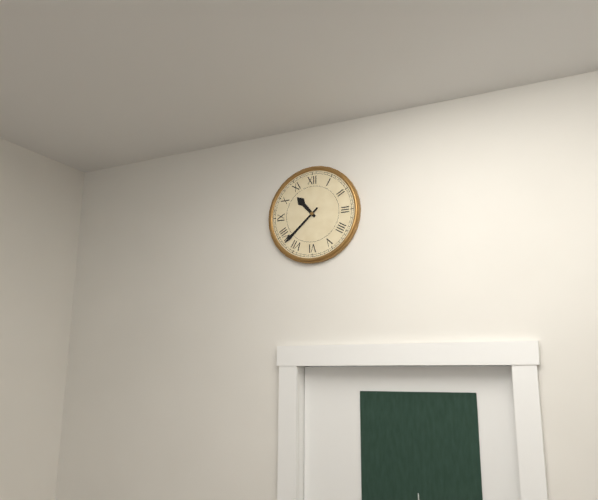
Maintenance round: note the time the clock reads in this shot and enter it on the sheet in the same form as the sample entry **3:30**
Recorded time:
**10:38**
